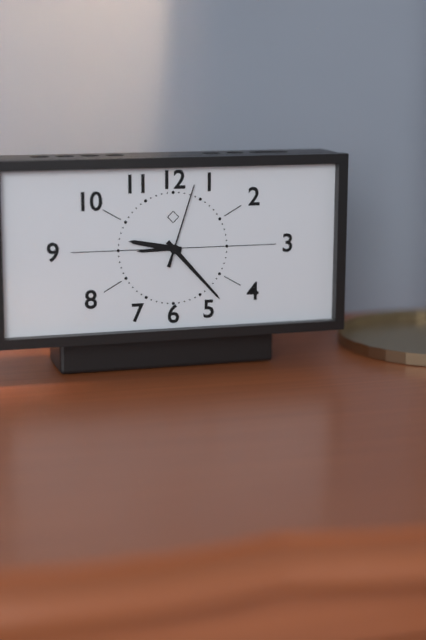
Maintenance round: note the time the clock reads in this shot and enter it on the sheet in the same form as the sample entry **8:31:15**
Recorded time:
**9:23:03**
